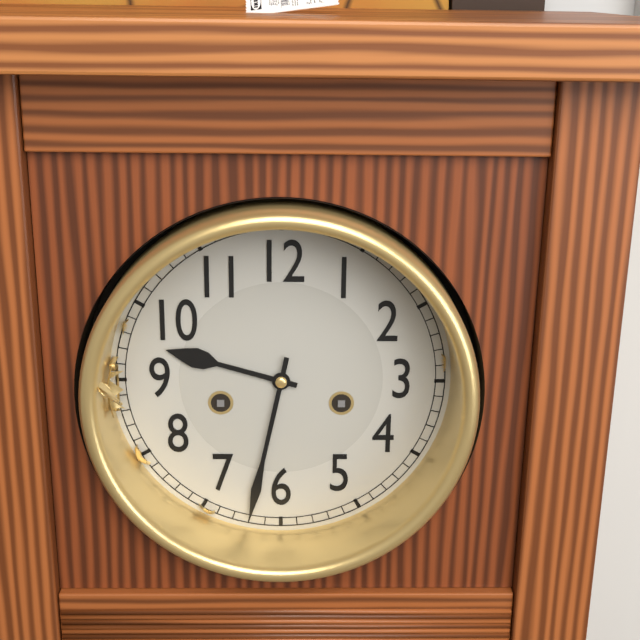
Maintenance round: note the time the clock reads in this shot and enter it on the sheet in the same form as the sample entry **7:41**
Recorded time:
**9:32**
